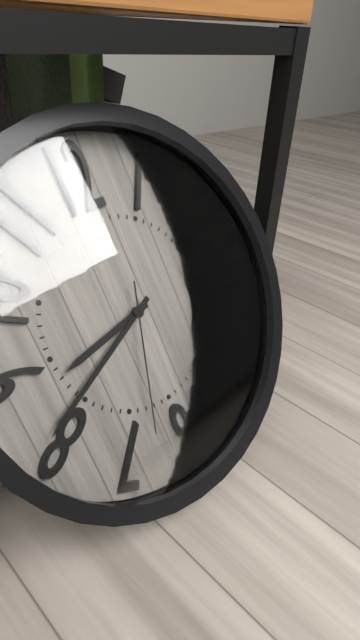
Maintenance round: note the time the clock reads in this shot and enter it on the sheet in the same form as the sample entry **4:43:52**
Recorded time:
**8:41:33**
